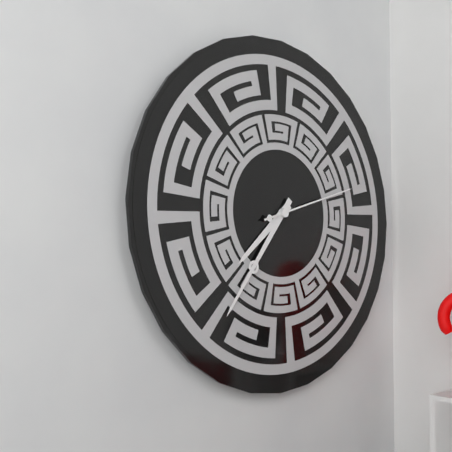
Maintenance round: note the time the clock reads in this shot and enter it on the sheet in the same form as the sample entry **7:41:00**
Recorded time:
**7:36:12**
